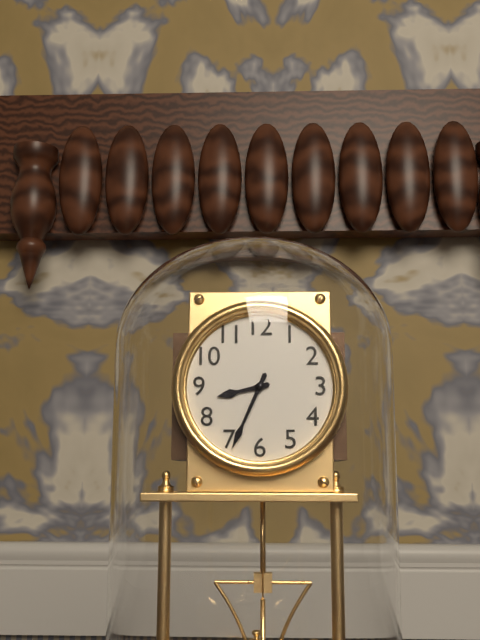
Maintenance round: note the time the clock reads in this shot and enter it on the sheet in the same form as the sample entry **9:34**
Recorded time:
**8:34**
